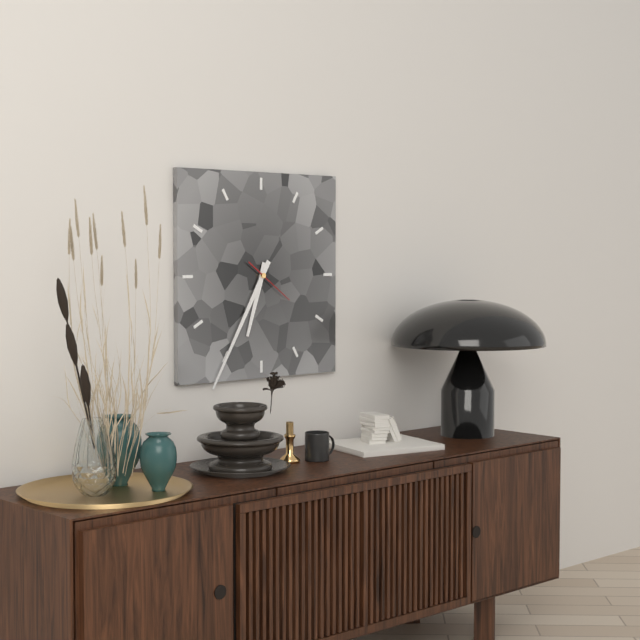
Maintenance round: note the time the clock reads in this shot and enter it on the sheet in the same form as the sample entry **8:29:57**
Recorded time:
**6:35:21**
